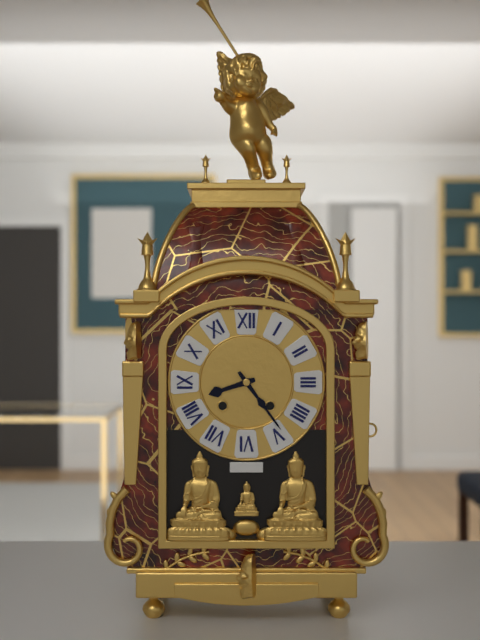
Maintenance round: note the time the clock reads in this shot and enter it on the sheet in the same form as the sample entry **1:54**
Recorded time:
**8:24**
